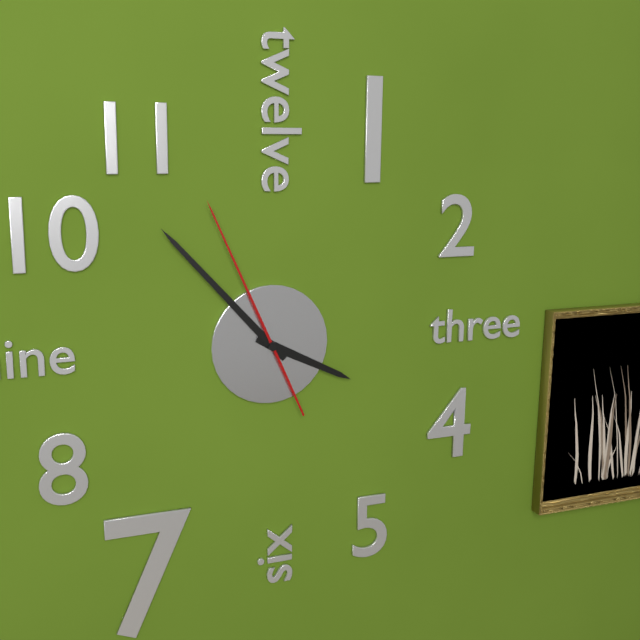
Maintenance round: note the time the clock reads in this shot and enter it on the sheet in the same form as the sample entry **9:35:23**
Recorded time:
**3:53:56**
